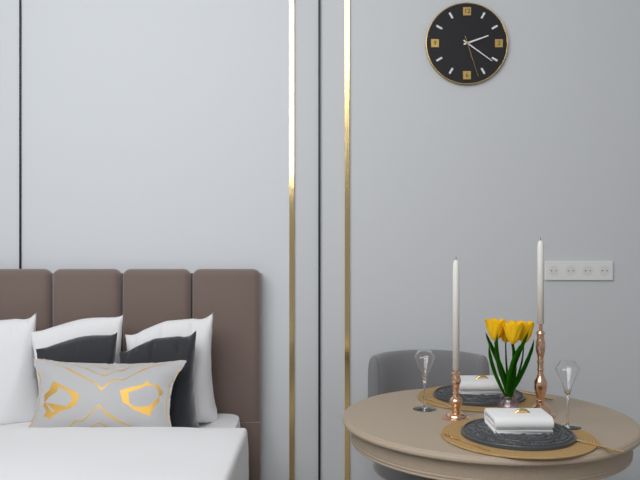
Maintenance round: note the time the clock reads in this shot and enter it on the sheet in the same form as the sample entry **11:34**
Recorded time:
**2:21**
